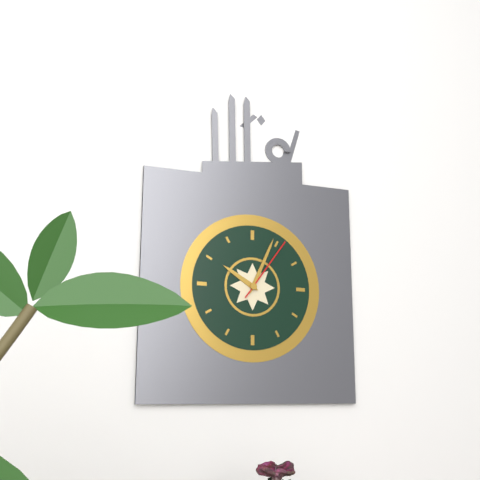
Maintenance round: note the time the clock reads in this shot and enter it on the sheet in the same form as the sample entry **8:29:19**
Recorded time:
**10:04:06**
